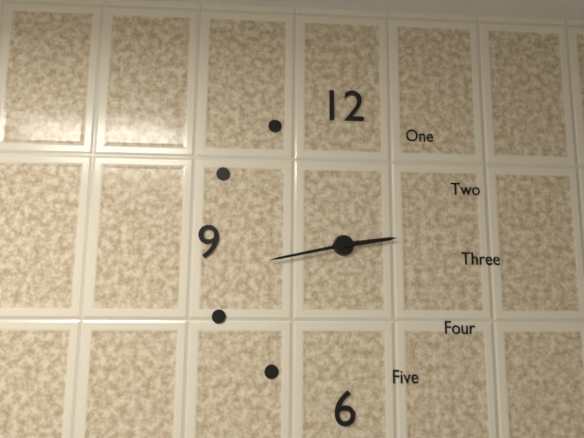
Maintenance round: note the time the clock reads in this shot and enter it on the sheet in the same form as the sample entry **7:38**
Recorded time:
**2:43**
